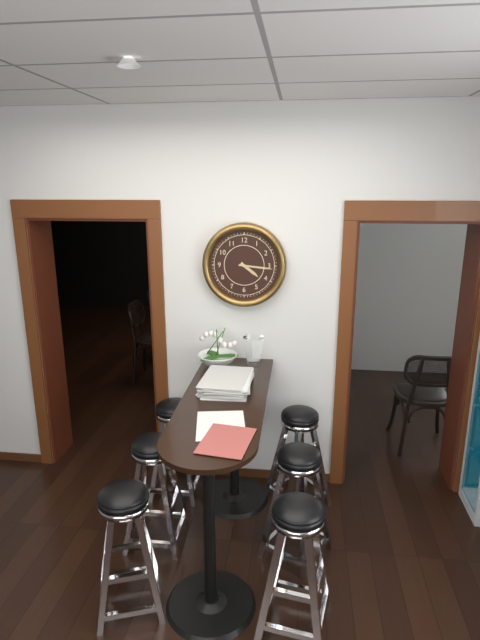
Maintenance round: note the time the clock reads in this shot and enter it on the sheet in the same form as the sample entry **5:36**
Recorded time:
**4:16**
